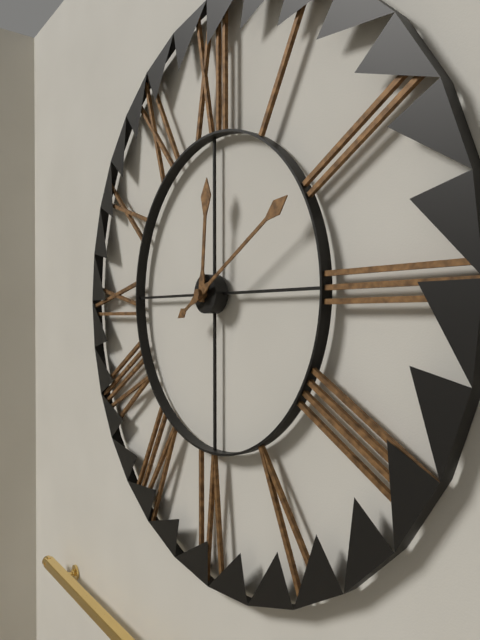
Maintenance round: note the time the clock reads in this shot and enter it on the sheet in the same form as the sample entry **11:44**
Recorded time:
**12:10**
